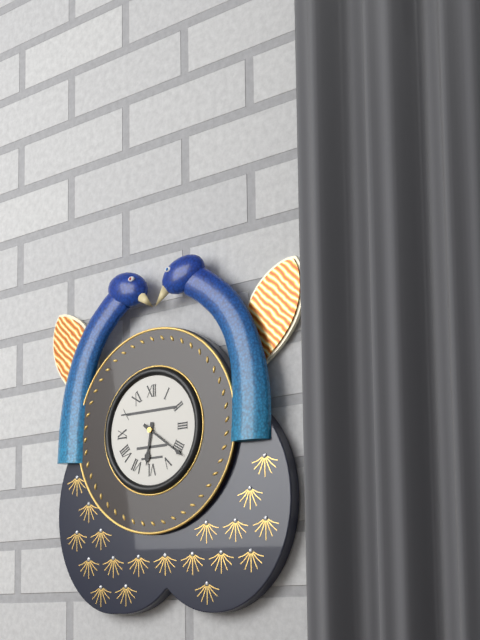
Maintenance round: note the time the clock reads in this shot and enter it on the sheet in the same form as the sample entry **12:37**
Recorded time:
**6:21**
